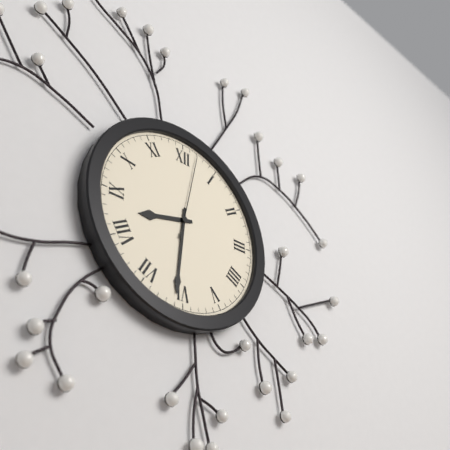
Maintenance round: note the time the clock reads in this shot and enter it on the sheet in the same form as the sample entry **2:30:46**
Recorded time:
**8:31:02**
